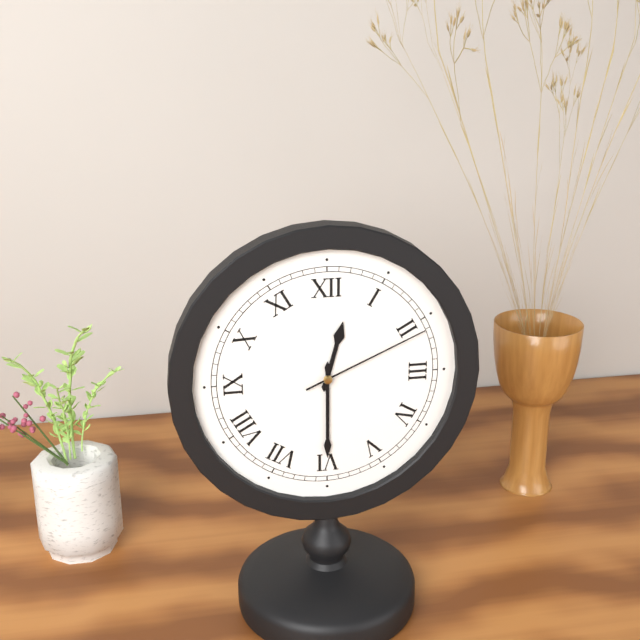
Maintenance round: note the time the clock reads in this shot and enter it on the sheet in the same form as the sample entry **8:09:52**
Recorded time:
**12:30:11**
